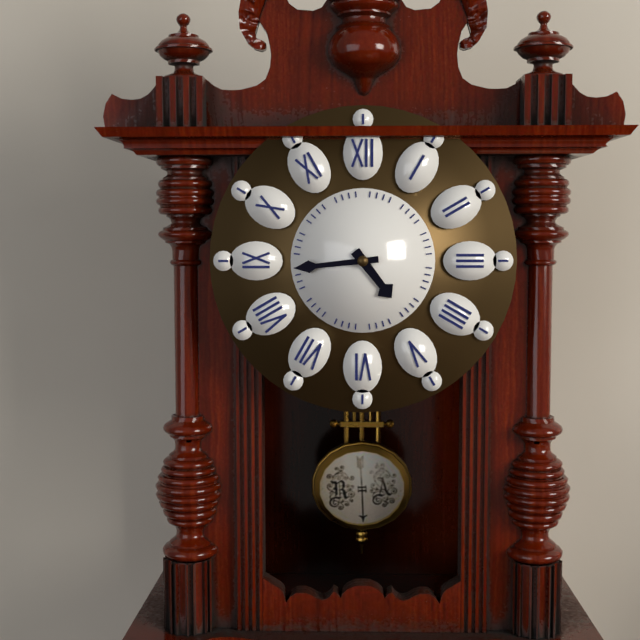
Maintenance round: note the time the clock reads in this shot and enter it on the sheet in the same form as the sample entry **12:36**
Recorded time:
**4:44**
